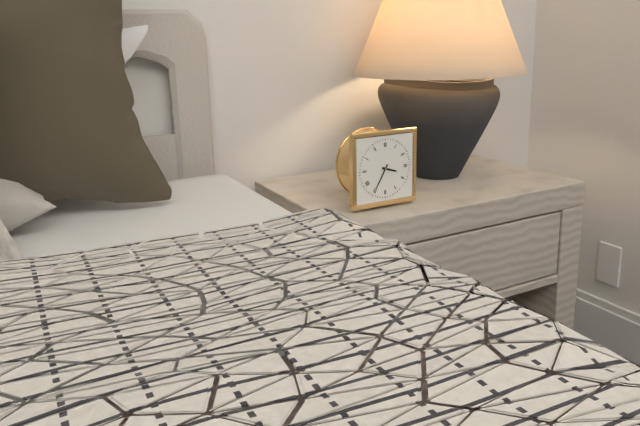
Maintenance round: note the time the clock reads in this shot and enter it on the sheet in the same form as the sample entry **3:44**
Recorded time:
**3:35**
